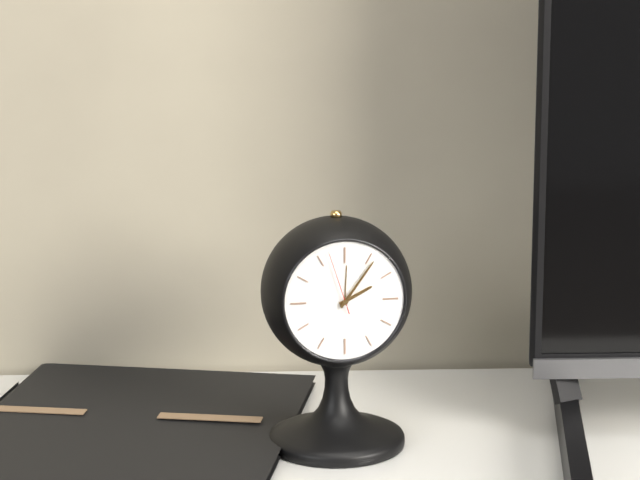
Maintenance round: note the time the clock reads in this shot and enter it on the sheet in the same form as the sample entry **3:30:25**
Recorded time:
**2:06:57**
